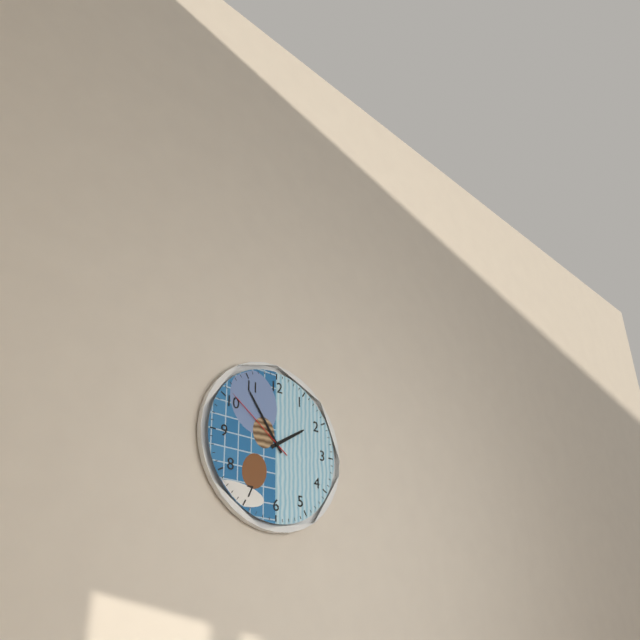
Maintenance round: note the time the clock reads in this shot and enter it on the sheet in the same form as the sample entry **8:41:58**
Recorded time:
**1:54:51**
